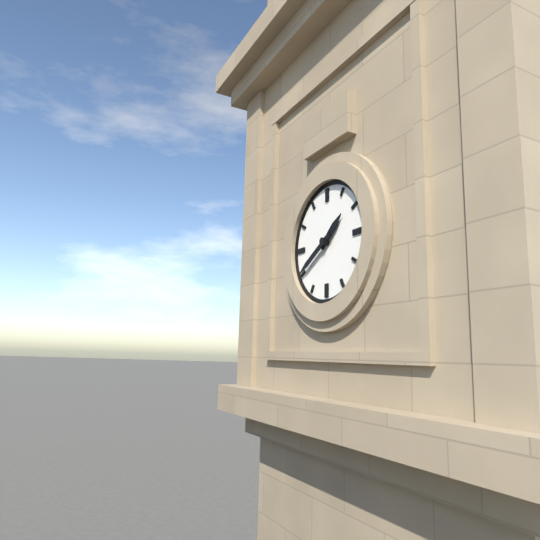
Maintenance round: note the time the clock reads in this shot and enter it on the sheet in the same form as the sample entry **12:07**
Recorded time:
**1:40**
